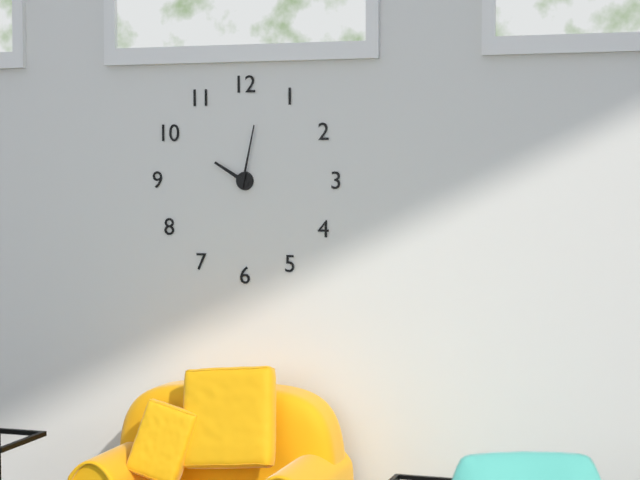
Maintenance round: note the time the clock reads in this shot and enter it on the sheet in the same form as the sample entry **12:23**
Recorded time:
**10:02**
